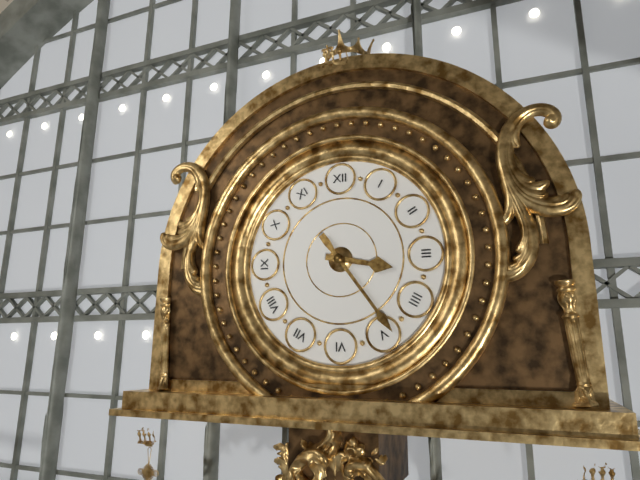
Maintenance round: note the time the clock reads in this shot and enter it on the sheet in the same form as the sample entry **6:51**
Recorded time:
**3:24**
